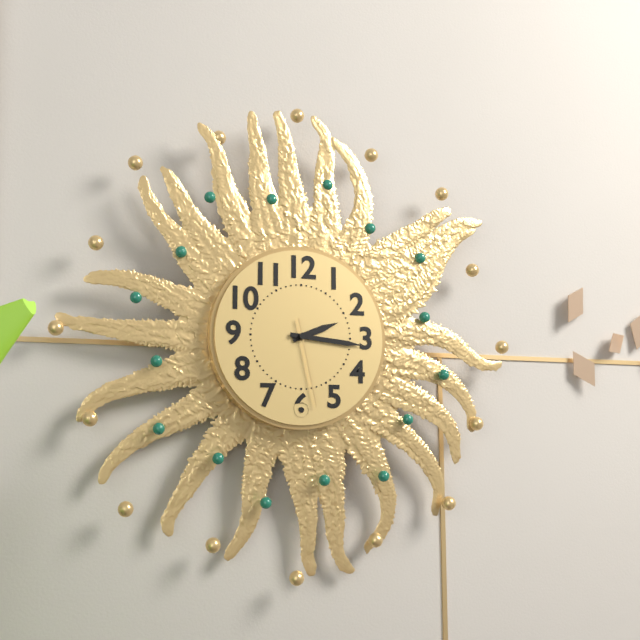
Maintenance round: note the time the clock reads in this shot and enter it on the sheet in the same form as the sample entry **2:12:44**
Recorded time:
**2:16:28**
